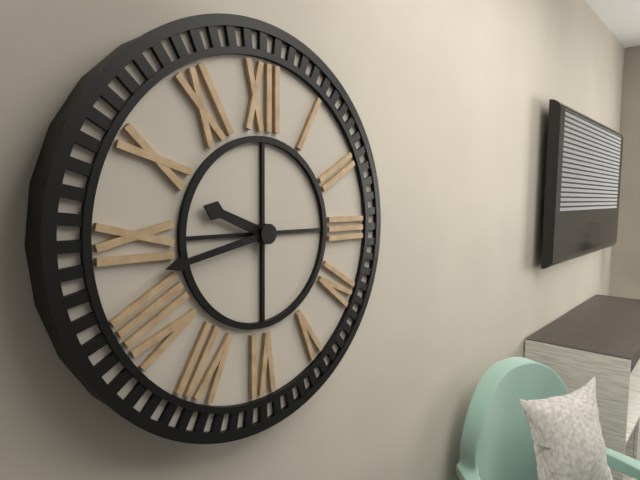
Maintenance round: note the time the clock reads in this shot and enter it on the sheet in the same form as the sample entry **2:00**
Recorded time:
**9:43**
